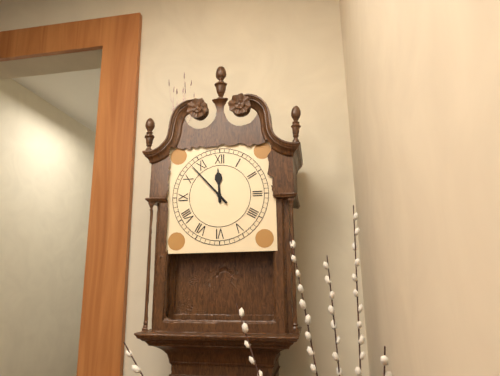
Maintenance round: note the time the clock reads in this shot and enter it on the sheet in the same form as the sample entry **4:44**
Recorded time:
**11:53**
